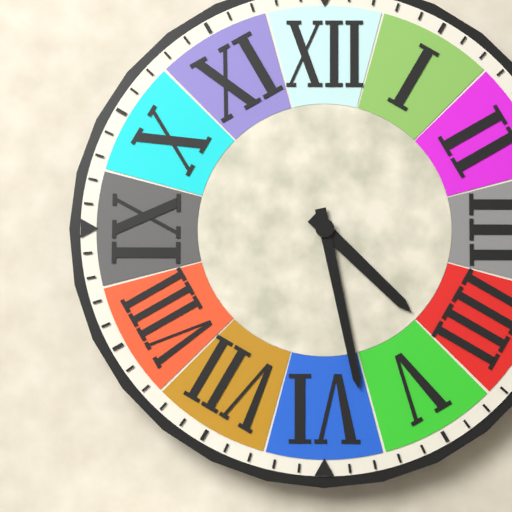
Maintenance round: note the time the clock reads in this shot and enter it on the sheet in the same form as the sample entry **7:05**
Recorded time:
**4:28**
